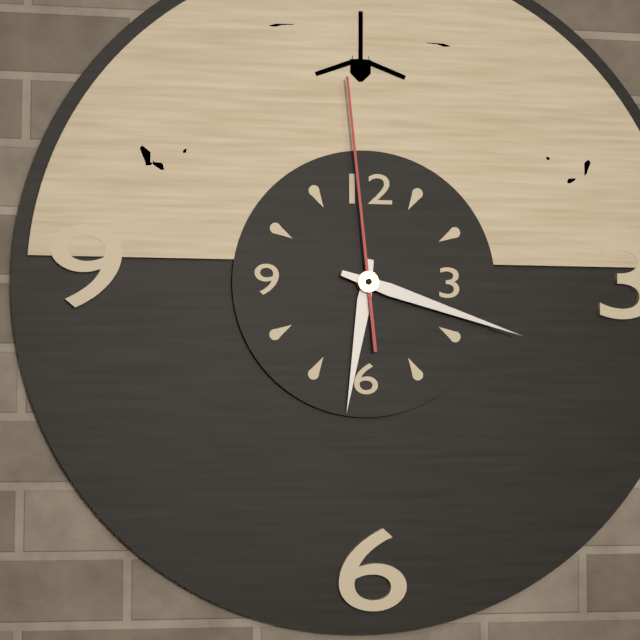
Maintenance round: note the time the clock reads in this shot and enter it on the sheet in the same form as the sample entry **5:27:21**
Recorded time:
**6:18:59**
